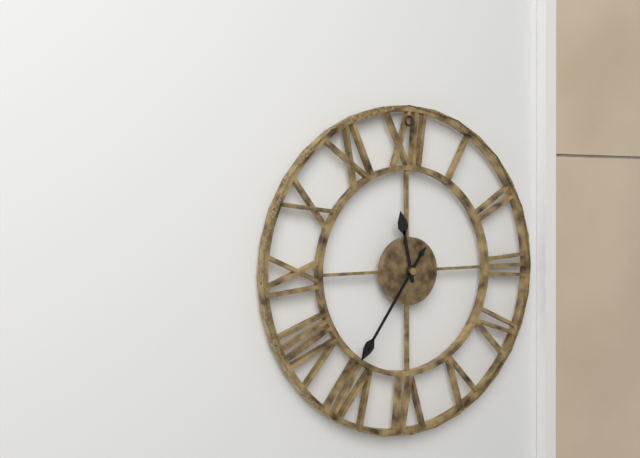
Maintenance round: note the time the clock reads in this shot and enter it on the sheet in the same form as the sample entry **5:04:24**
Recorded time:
**11:36:36**
